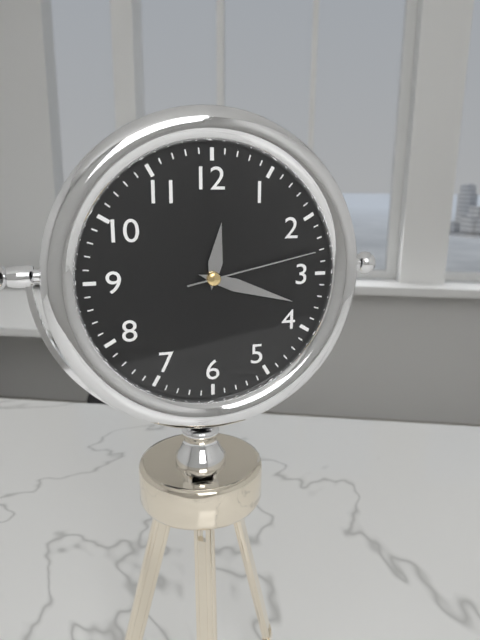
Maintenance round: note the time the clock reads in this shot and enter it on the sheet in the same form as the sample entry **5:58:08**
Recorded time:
**12:18:13**
